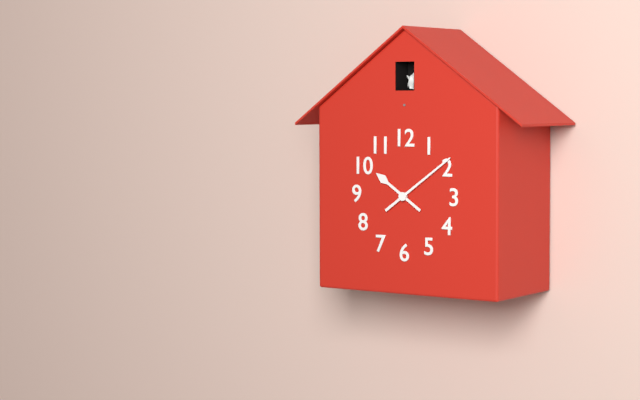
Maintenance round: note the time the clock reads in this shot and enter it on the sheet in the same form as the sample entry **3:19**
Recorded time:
**10:09**
